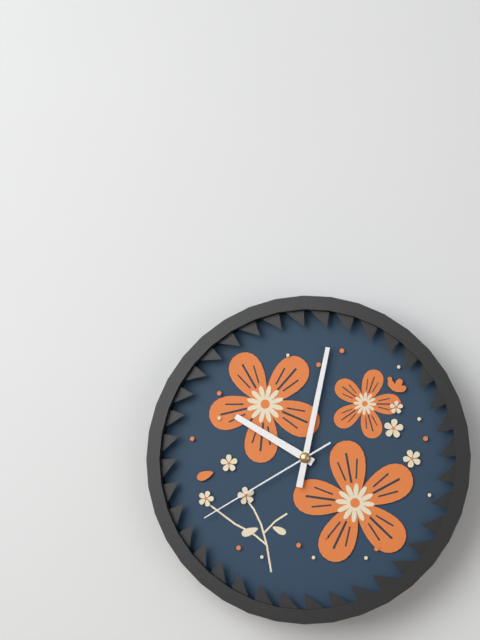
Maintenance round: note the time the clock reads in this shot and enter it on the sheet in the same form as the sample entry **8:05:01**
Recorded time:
**10:02:40**
